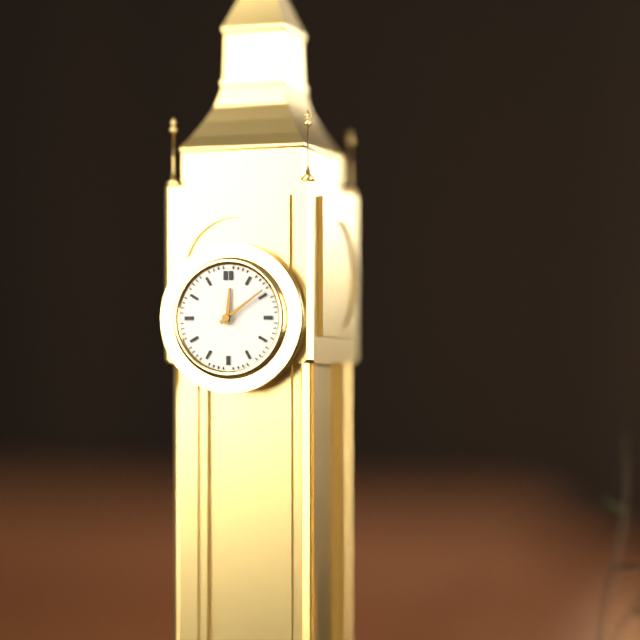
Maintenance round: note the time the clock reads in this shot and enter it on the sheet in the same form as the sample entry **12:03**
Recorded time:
**12:09**
